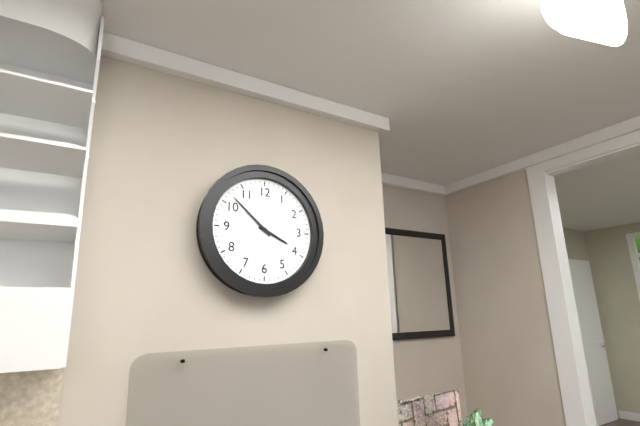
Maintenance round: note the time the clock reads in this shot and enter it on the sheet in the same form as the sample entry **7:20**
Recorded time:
**3:52**
